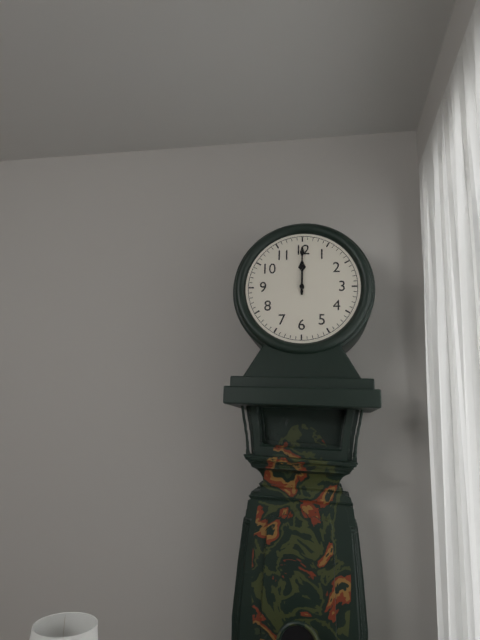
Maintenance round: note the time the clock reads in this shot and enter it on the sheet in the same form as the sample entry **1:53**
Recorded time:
**12:00**
